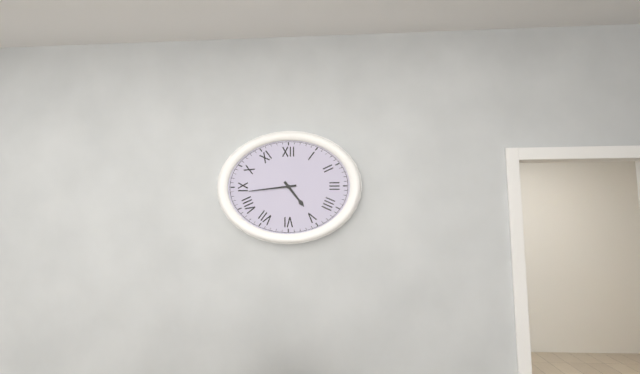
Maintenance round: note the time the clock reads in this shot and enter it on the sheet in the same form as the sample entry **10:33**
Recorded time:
**4:44**
